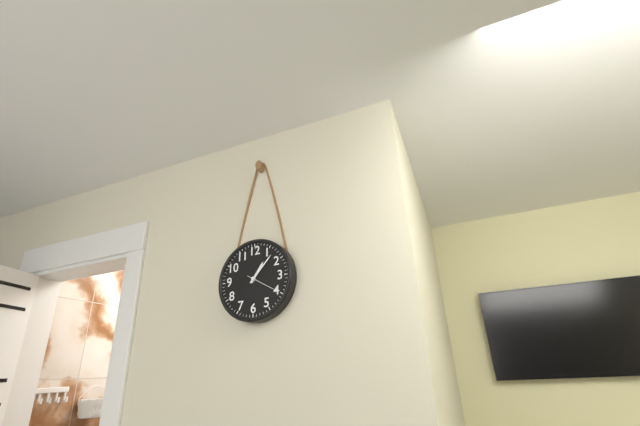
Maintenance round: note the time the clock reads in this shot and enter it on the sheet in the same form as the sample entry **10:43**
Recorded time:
**1:07**
